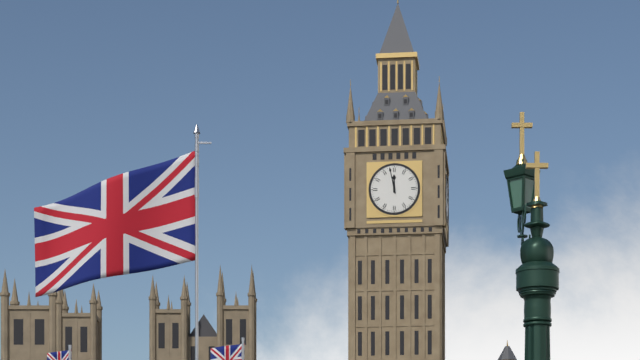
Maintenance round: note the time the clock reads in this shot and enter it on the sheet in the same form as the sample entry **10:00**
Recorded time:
**11:58**
